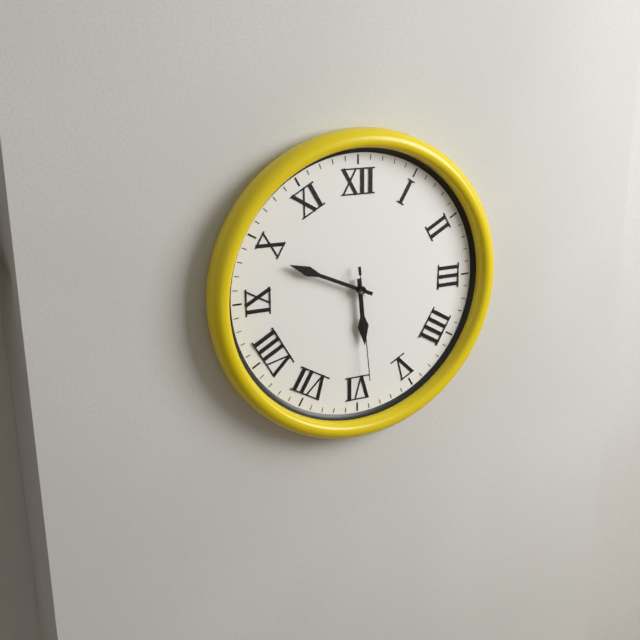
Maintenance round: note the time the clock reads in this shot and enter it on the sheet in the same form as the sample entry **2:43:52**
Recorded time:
**5:49:29**
